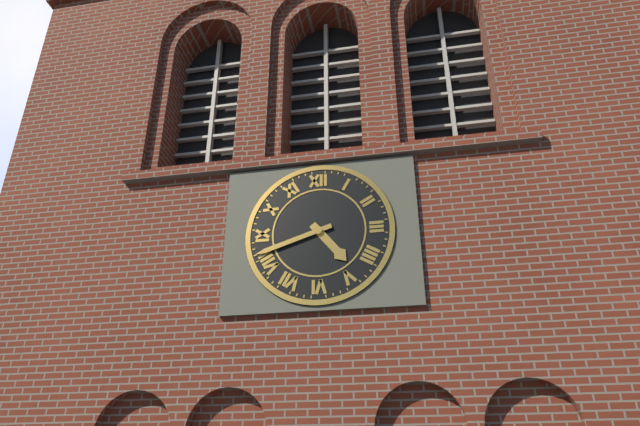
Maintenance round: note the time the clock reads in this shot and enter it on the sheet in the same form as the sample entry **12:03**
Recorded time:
**4:42**
